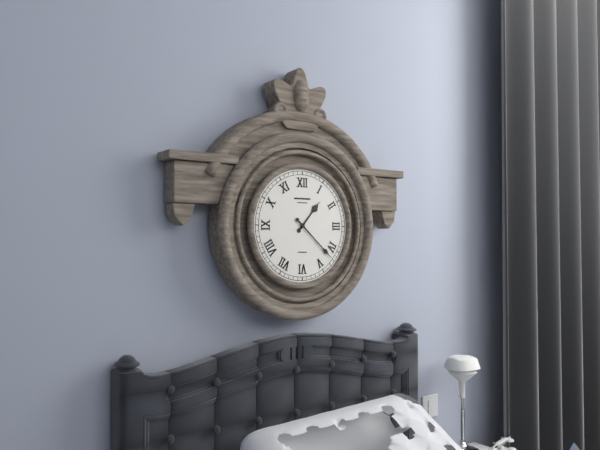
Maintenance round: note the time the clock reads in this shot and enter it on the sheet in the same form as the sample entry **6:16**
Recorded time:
**1:22**
